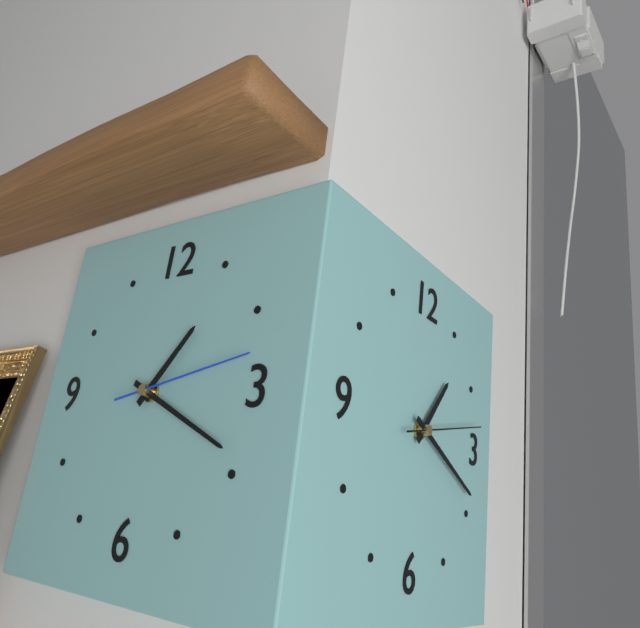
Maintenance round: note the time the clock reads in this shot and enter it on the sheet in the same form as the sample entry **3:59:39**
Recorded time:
**1:19:13**
